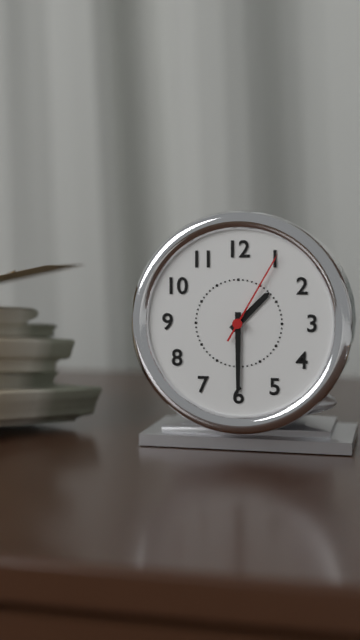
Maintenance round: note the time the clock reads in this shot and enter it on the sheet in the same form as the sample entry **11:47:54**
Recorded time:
**1:30:05**
